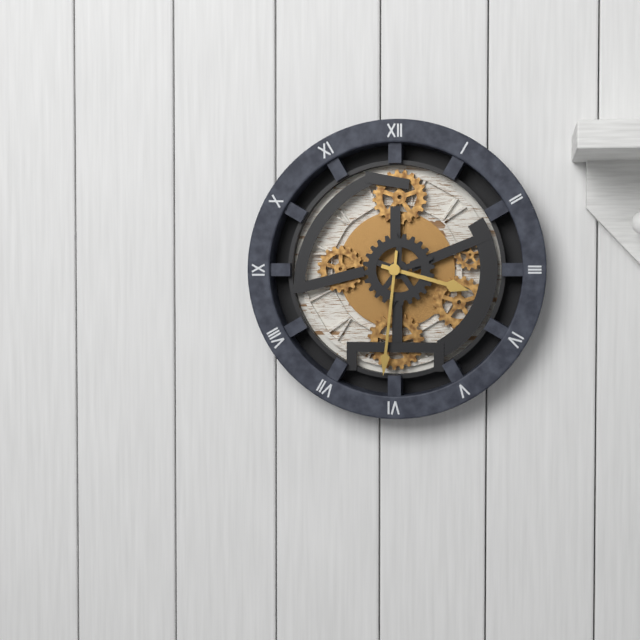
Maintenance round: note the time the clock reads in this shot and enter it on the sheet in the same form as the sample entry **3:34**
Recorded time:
**3:31**
